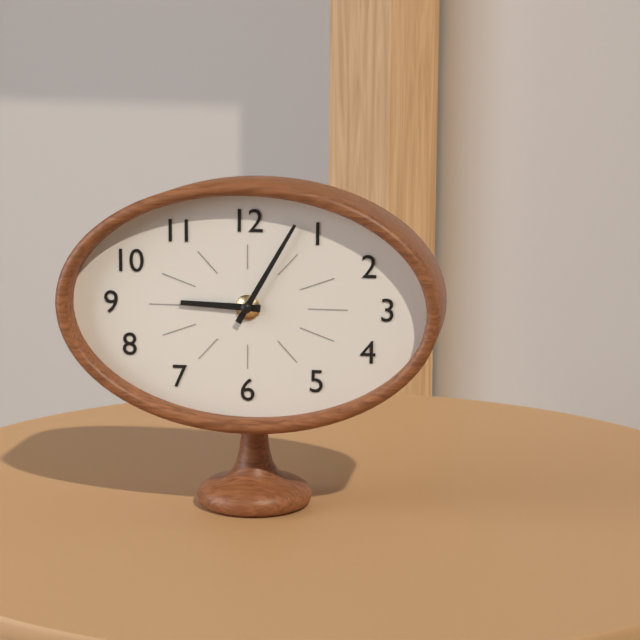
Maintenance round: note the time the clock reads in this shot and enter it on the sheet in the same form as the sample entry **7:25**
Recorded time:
**9:05**
